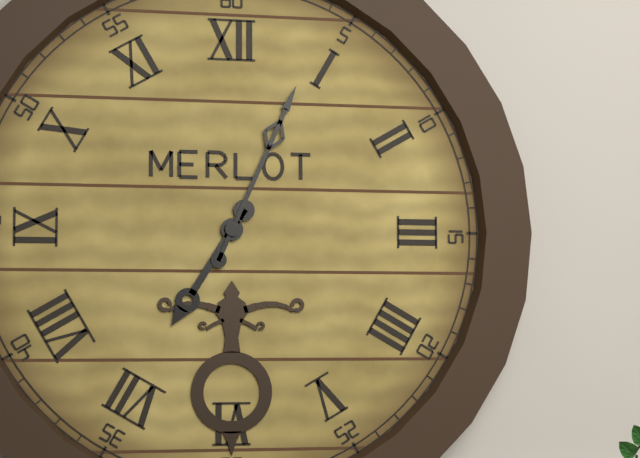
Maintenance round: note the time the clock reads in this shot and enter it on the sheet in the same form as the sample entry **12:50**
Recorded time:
**7:04**
